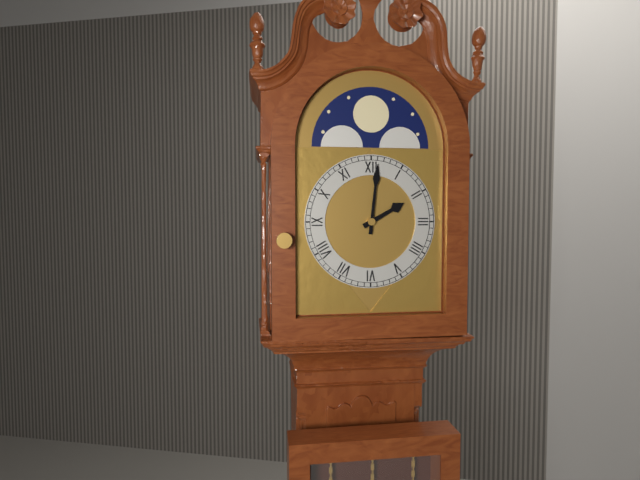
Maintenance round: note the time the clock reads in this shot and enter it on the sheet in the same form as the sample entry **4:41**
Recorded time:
**2:01**
